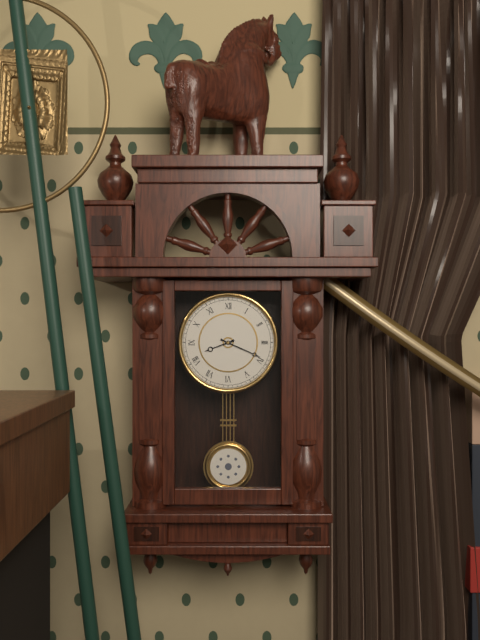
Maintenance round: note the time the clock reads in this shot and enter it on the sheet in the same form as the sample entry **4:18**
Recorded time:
**8:19**
